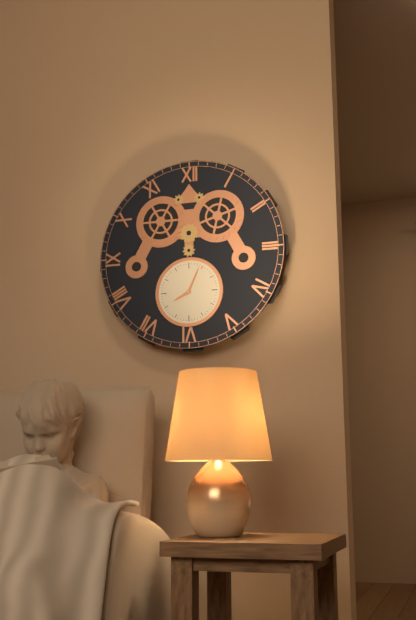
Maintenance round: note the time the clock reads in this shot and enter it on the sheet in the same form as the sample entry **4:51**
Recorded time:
**8:04**
